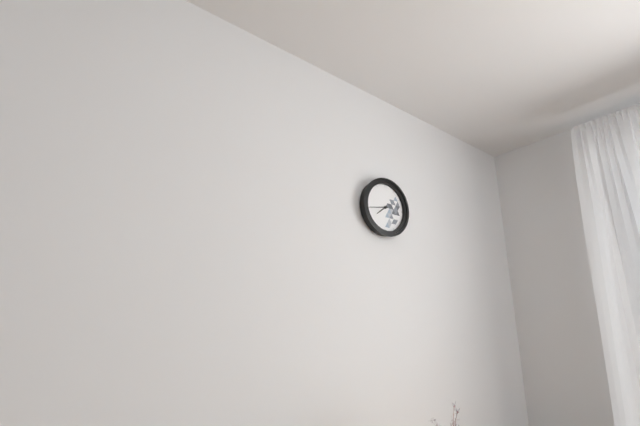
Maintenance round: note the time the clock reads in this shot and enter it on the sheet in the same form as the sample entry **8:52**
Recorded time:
**7:43**
